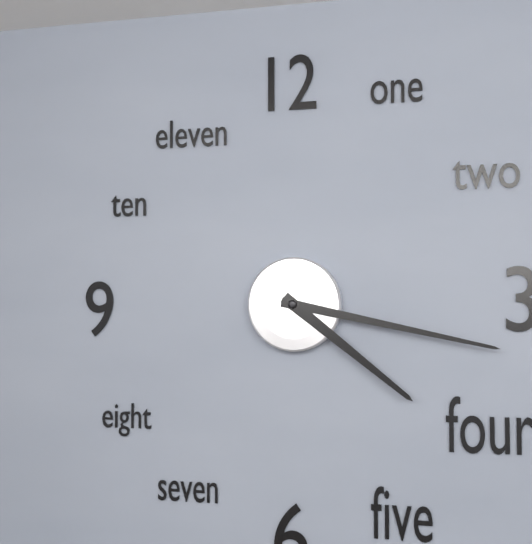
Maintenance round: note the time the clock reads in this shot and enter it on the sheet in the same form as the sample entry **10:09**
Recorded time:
**4:17**
